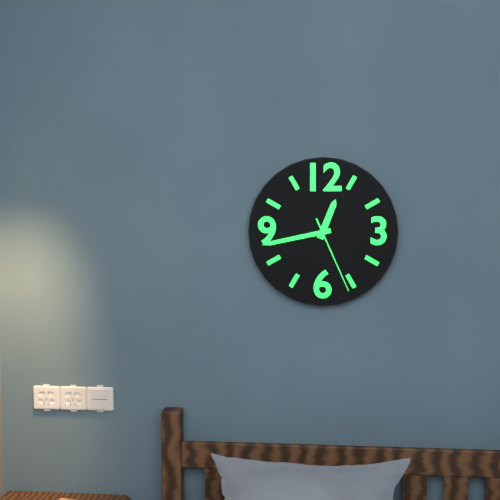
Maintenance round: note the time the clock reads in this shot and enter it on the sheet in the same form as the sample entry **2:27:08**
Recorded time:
**12:43:26**
